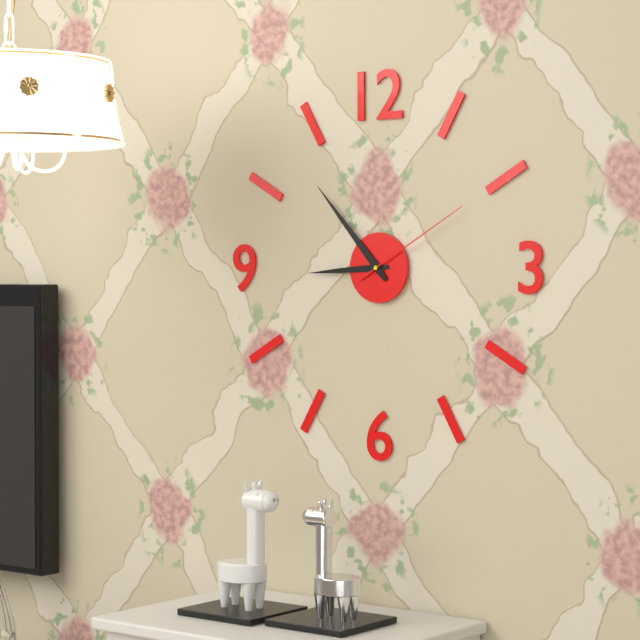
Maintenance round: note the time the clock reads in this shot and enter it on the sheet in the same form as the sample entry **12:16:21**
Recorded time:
**8:53:10**
